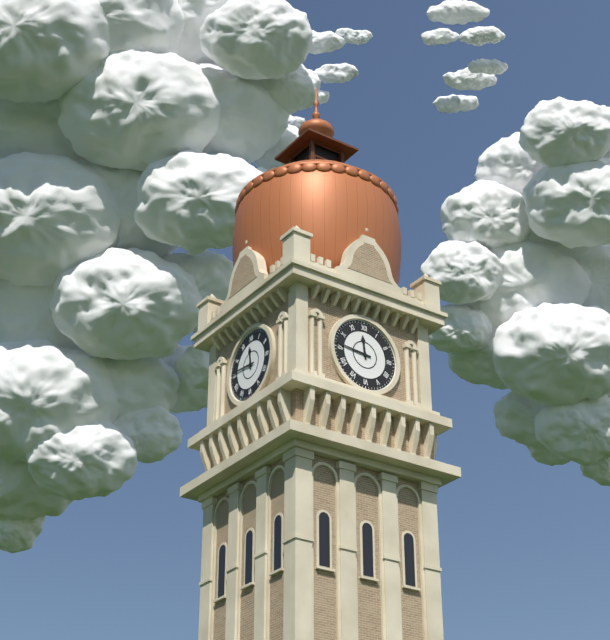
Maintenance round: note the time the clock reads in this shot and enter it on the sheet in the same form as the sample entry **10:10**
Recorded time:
**11:46**
